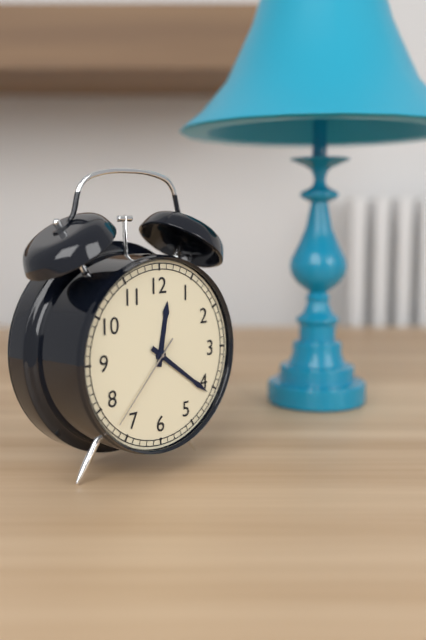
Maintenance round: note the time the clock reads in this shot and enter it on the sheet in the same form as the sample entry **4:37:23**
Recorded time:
**12:21:37**
